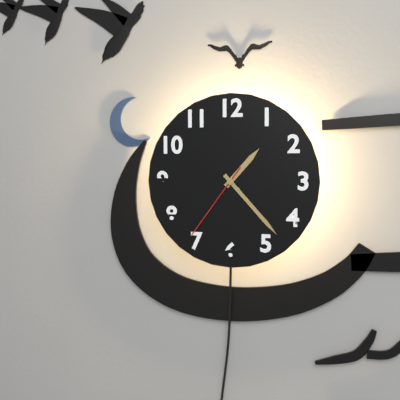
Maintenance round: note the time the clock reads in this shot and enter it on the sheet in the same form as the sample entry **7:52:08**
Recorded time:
**1:23:36**
